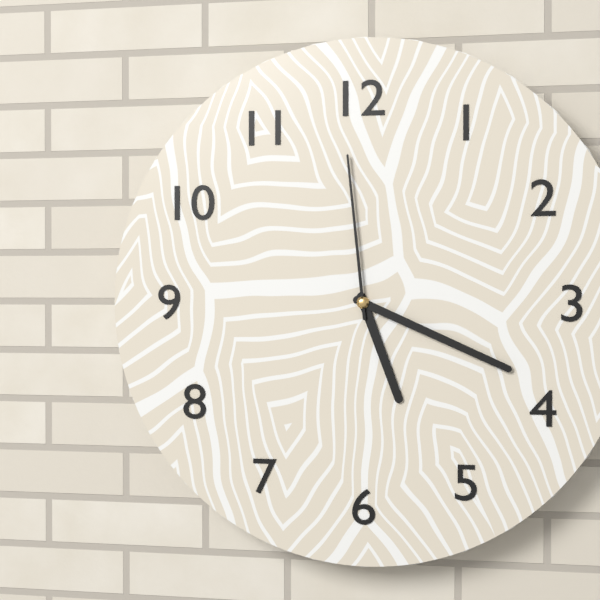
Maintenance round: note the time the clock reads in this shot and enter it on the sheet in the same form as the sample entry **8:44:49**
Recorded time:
**5:19:59**
